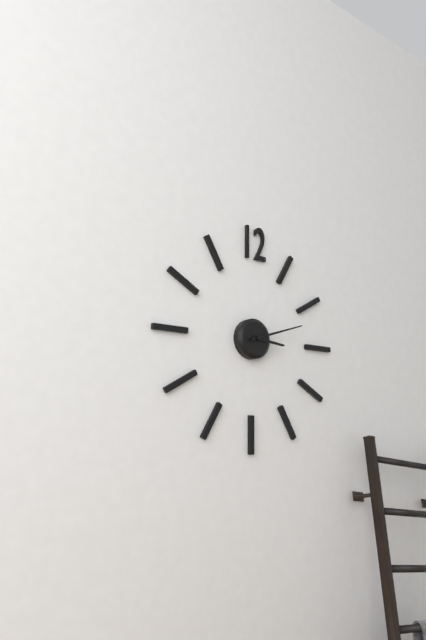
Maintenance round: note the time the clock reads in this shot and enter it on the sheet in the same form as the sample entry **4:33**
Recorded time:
**3:12**
